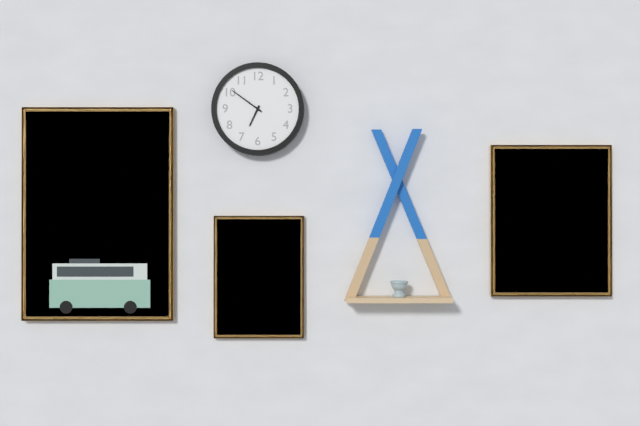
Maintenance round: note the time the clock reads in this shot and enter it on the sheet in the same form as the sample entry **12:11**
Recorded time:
**6:51**
